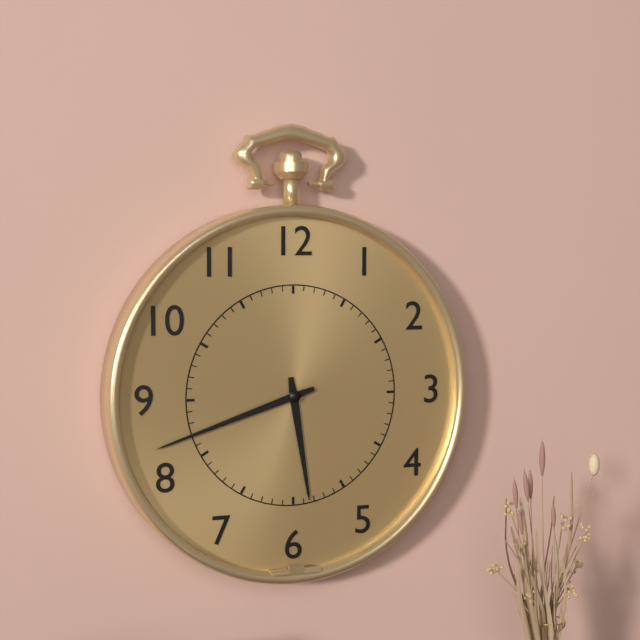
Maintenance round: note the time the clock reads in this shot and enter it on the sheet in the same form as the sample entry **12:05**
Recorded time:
**5:42**
